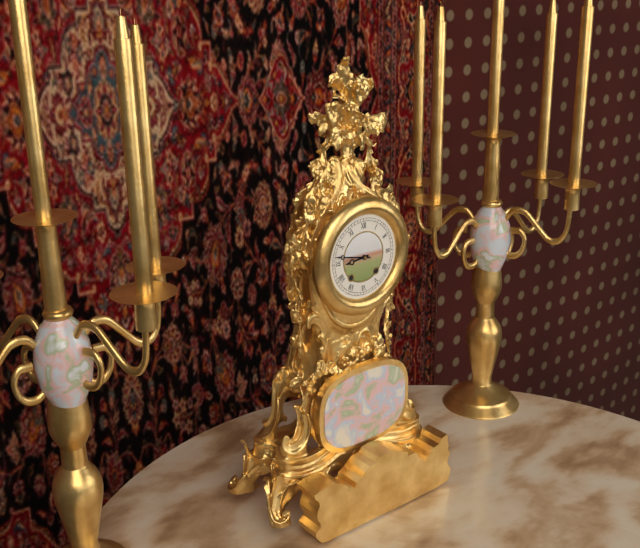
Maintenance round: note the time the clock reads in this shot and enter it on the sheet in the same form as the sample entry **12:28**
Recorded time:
**8:47**
